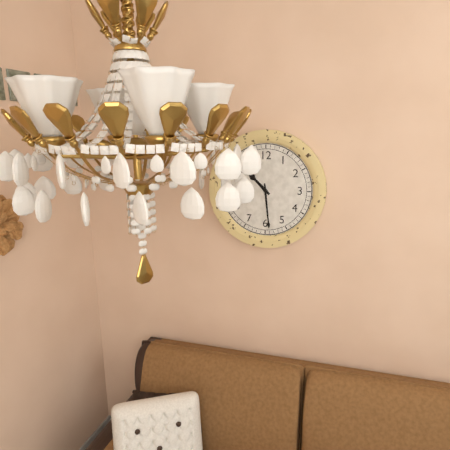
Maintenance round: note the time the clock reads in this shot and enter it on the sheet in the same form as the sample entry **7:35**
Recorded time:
**10:29**
